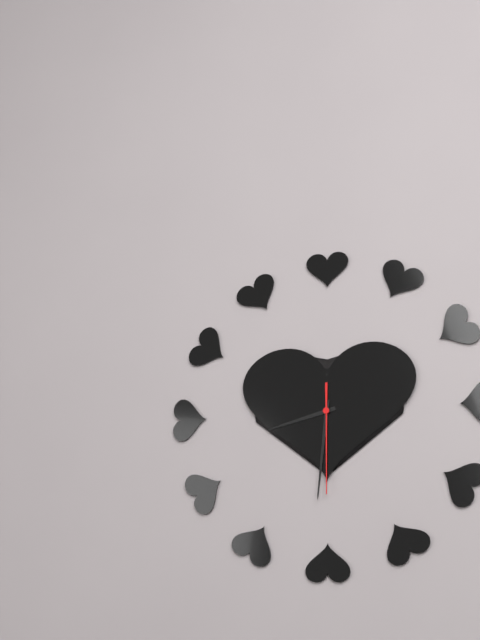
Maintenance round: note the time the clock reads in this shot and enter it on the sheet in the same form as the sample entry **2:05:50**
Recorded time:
**8:31:30**
